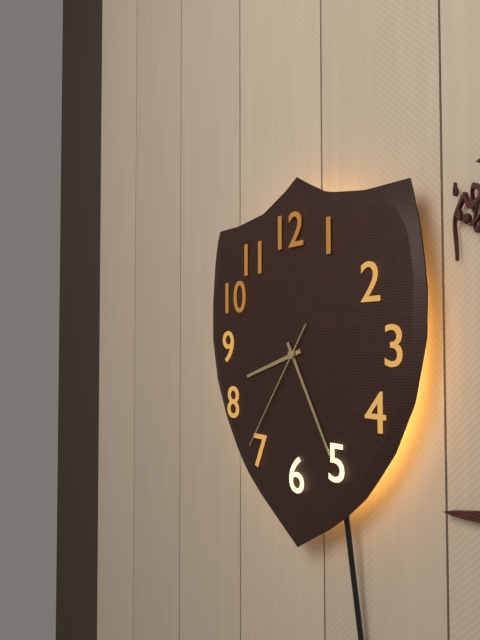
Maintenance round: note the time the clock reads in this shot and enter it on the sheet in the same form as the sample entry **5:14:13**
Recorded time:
**8:25:36**
